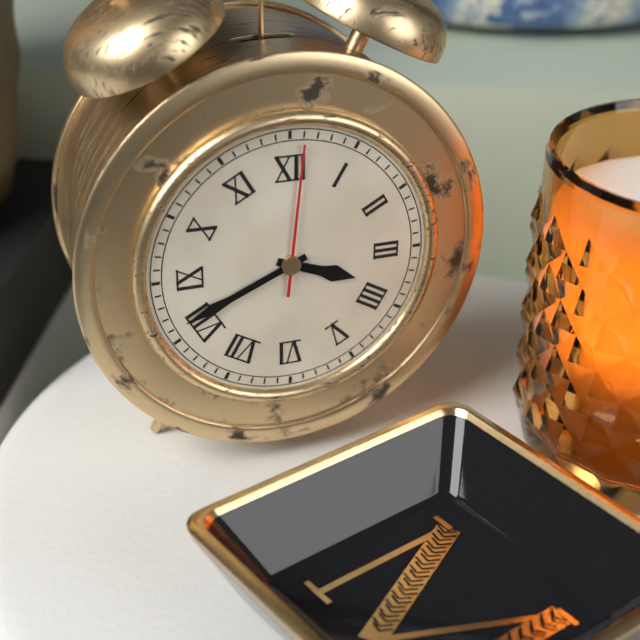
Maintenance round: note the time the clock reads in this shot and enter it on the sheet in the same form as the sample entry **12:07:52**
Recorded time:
**3:41:01**
